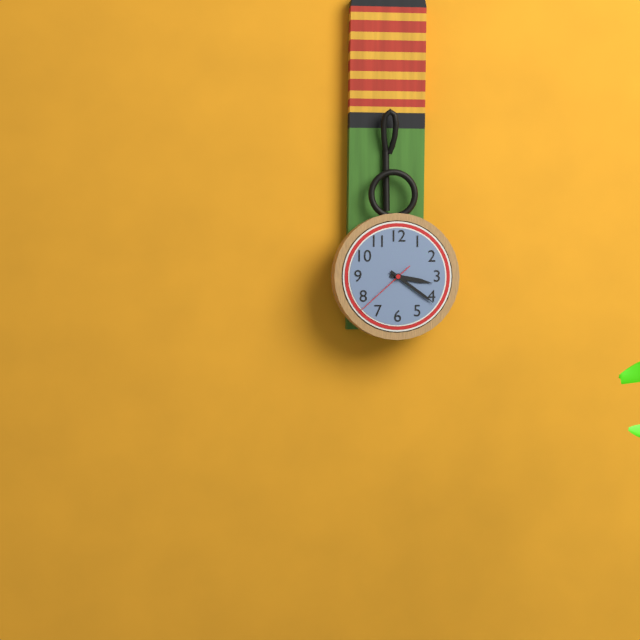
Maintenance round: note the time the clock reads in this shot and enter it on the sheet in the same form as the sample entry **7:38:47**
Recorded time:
**3:21:38**
